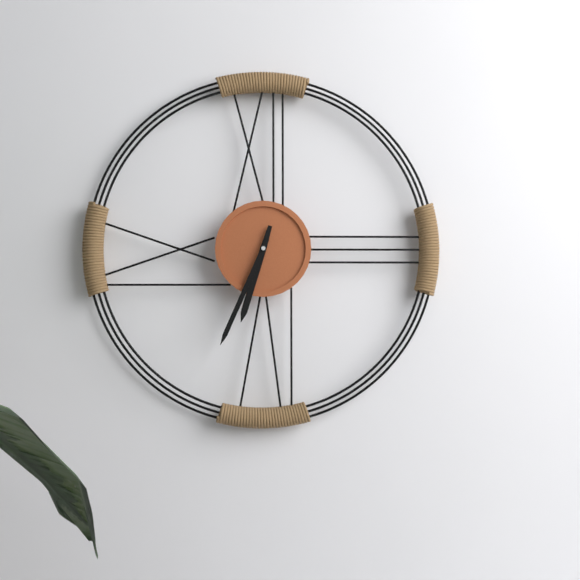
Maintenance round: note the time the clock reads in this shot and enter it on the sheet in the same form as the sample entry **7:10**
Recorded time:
**6:34**
